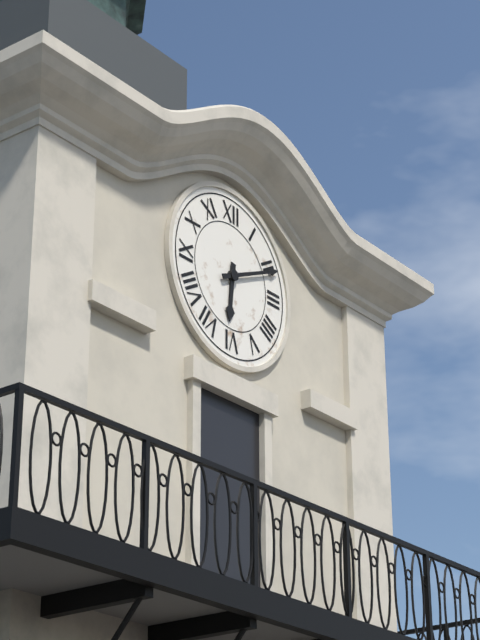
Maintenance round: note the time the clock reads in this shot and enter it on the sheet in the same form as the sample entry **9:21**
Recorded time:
**6:11**
